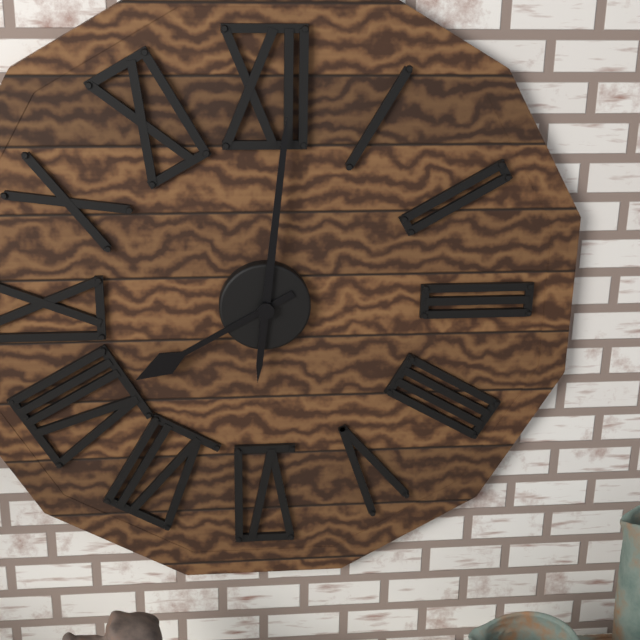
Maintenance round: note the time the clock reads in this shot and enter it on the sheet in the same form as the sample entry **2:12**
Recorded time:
**8:01**
